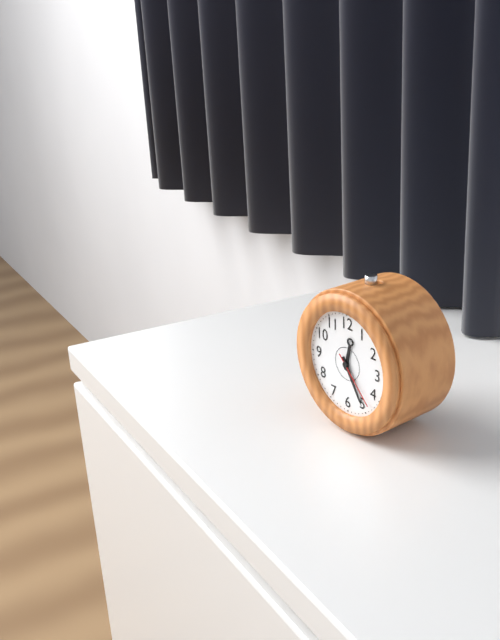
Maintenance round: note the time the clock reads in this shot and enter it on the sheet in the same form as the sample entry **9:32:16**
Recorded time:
**12:25:23**
